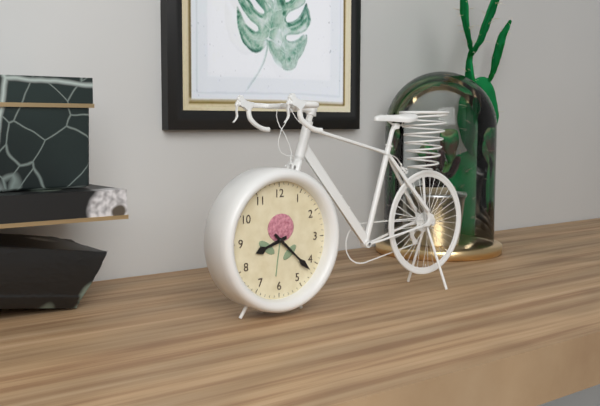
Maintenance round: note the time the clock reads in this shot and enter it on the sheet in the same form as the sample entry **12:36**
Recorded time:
**8:22**
